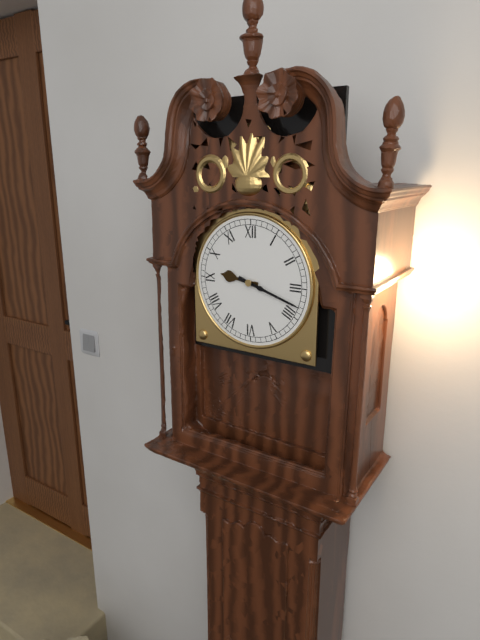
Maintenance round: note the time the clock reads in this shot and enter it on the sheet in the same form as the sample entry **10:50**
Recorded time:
**9:18**
